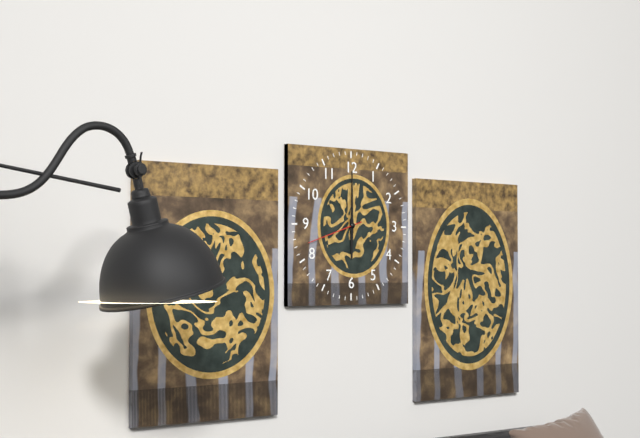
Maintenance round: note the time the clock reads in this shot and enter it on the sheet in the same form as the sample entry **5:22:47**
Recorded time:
**6:00:42**
